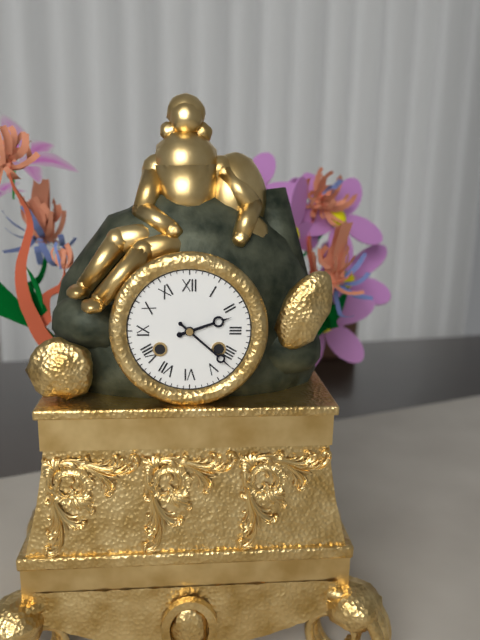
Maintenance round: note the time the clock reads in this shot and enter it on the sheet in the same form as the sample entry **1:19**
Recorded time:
**2:22**
